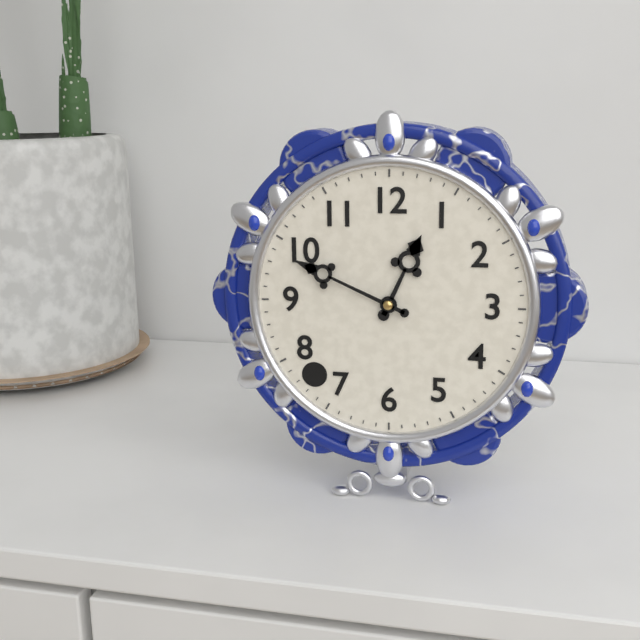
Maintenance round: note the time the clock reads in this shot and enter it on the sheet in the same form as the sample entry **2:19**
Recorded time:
**12:49**
